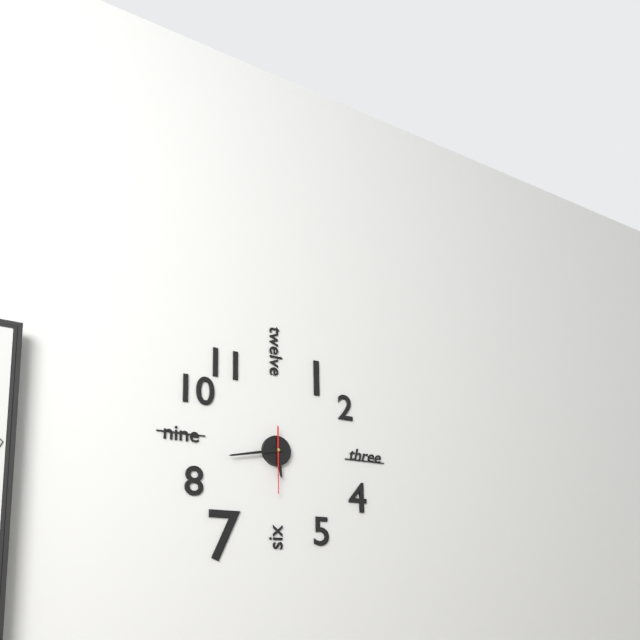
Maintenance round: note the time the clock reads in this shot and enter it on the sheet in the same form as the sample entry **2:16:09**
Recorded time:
**5:43:30**
